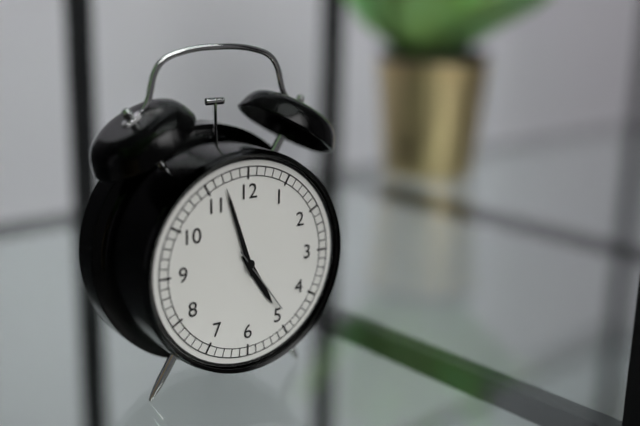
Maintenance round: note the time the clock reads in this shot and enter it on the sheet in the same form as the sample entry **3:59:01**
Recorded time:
**4:57:24**
